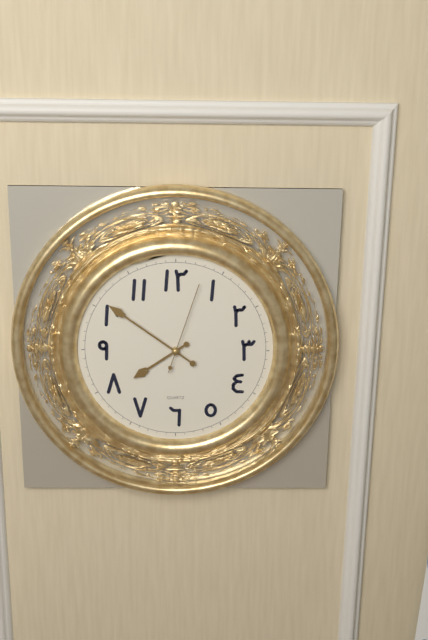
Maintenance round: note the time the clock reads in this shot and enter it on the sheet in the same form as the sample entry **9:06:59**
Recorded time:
**7:51:03**
